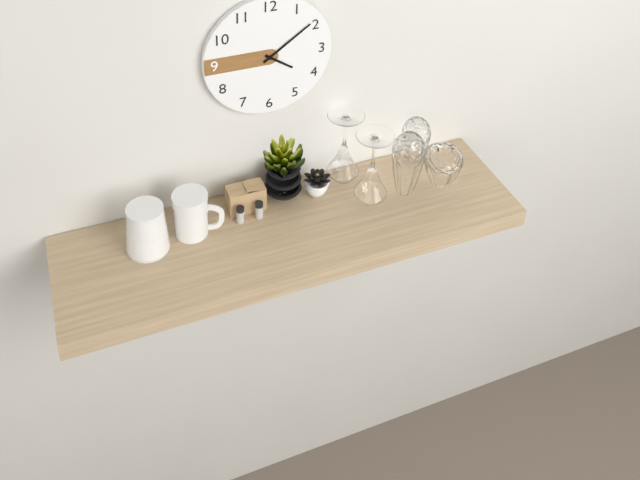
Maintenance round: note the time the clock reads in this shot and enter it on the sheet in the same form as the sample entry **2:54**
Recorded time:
**4:09**
